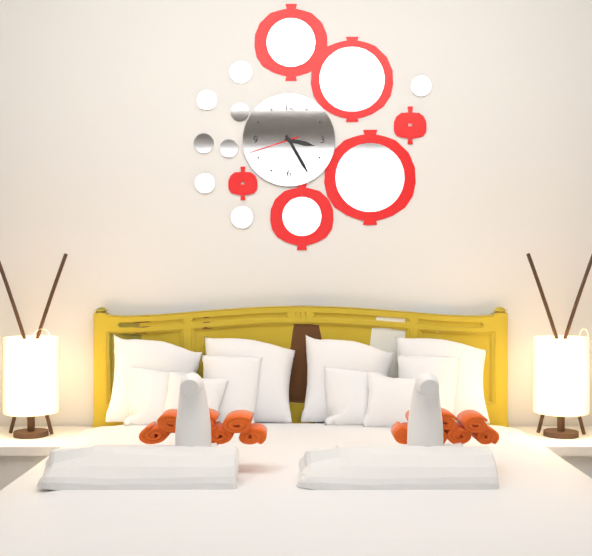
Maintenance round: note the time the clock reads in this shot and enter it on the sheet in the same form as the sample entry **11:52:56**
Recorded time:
**3:25:42**
